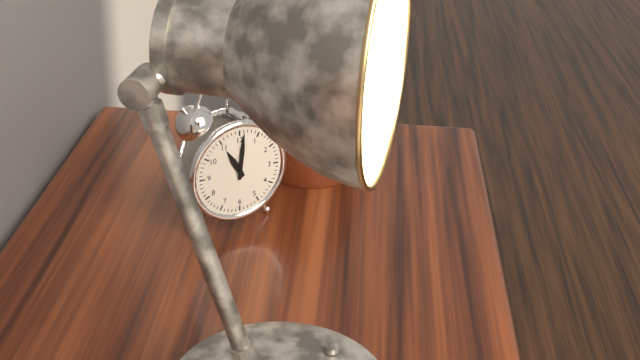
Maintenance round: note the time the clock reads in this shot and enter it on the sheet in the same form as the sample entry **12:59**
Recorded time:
**11:01**
